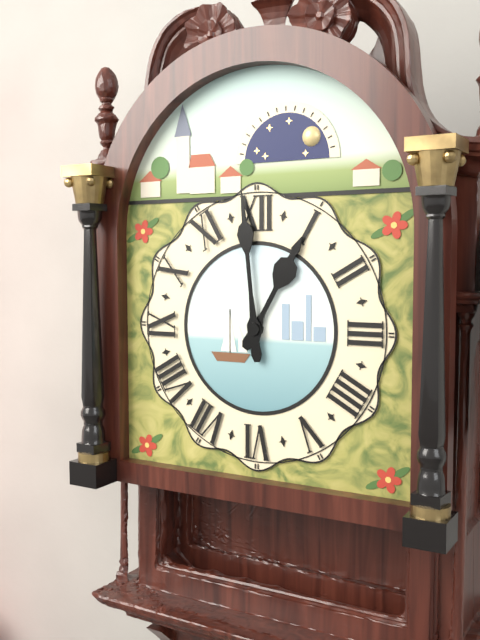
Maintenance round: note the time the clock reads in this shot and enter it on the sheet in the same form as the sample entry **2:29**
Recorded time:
**12:59**
